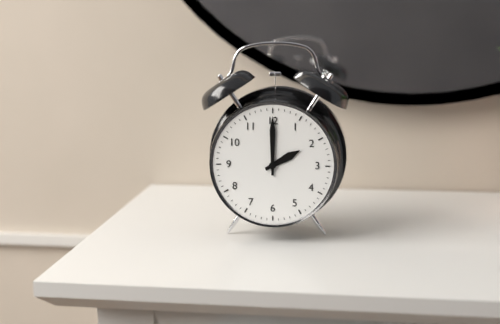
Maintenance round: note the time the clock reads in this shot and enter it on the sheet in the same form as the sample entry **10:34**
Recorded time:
**2:00**
